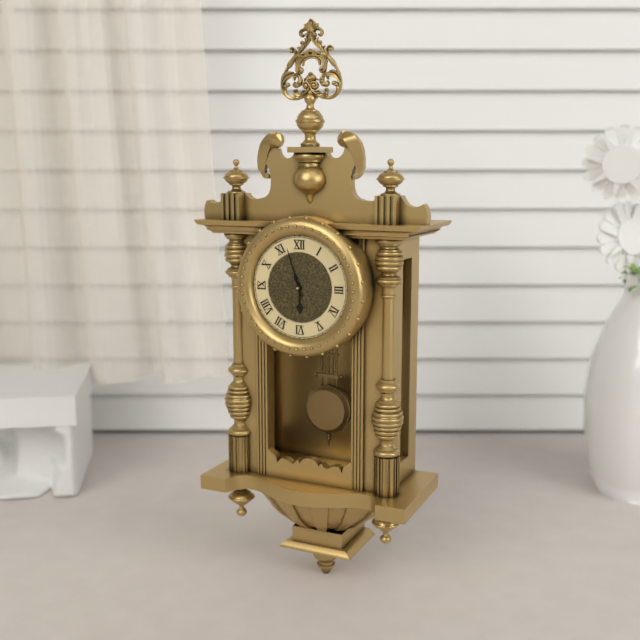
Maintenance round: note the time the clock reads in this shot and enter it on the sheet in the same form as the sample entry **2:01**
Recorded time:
**5:57**
